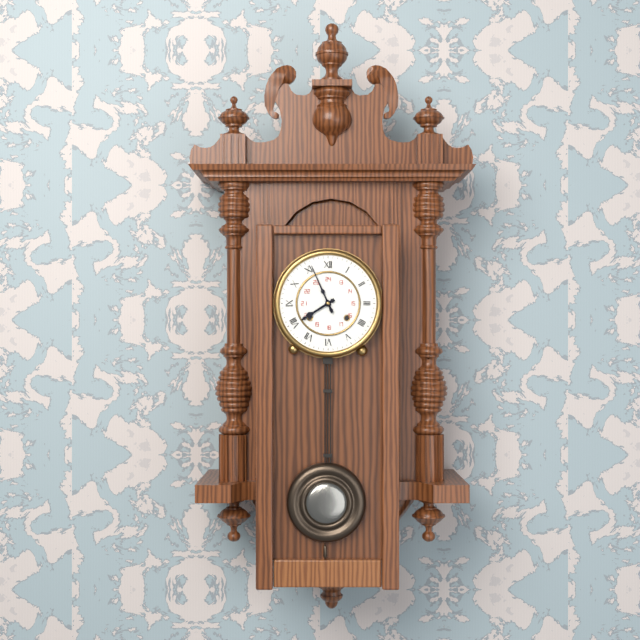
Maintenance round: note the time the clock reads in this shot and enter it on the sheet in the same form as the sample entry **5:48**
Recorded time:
**7:56**
